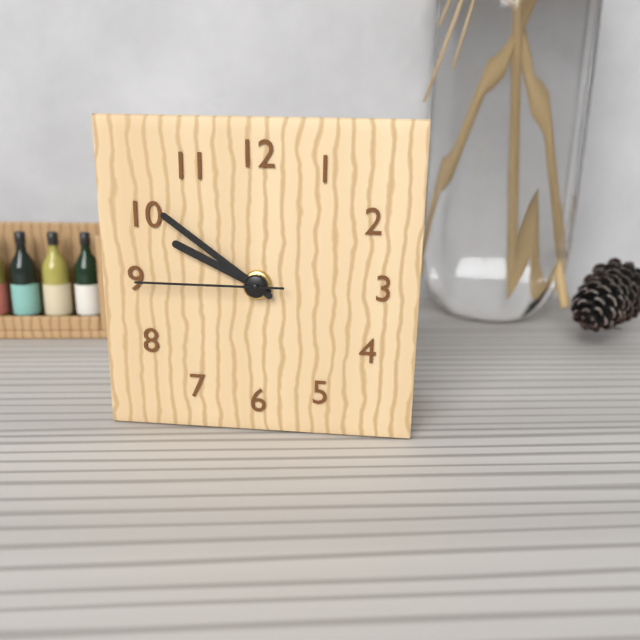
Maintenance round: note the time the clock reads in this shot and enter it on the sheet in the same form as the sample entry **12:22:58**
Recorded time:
**9:51:45**
